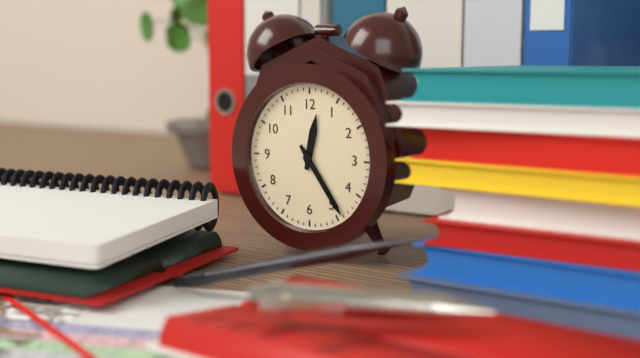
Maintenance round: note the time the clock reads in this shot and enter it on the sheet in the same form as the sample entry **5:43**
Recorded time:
**12:24**
